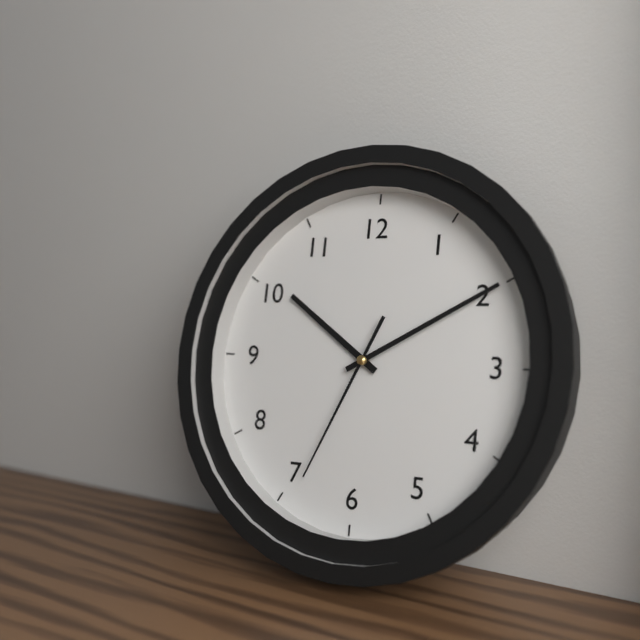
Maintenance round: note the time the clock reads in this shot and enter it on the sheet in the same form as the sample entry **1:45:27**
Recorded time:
**10:10:34**
